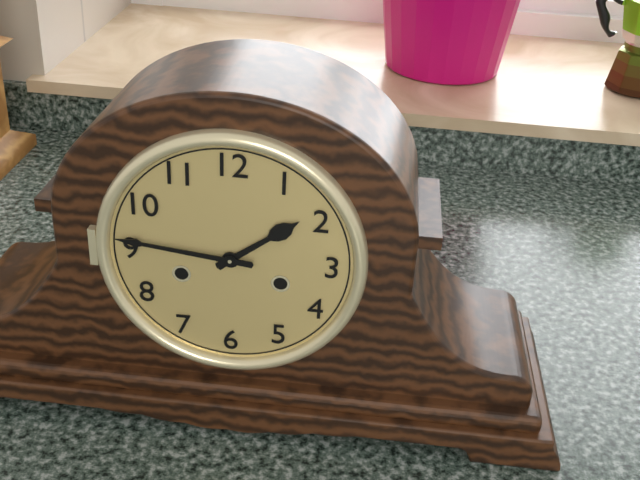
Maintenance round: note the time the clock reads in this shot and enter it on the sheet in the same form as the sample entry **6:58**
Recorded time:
**1:46**
